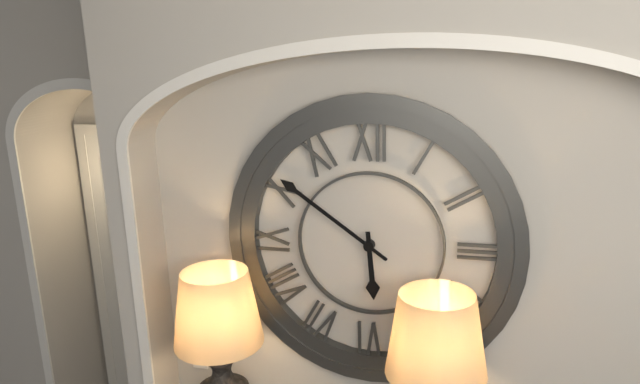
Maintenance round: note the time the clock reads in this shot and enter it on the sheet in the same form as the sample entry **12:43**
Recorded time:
**5:51**
